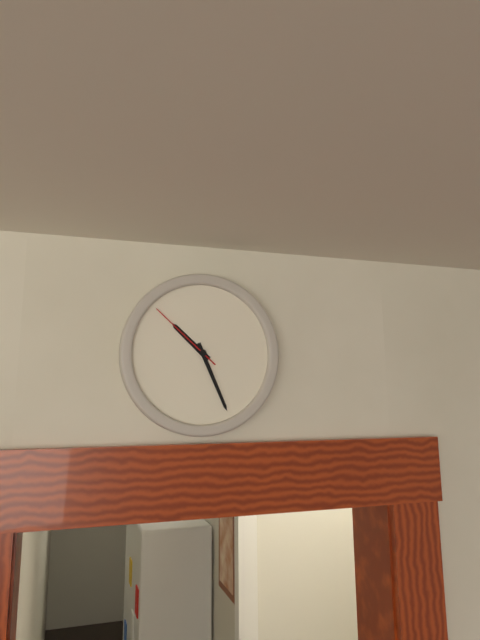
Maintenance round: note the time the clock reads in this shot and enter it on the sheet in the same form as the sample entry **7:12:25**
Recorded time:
**10:26:52**
